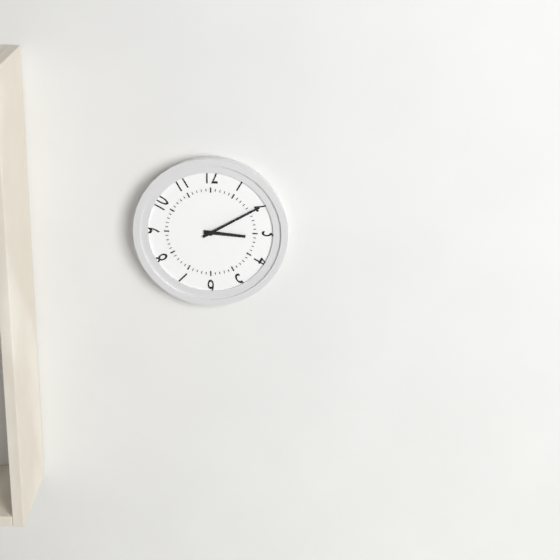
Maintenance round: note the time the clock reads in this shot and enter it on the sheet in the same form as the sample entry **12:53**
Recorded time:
**3:10**
